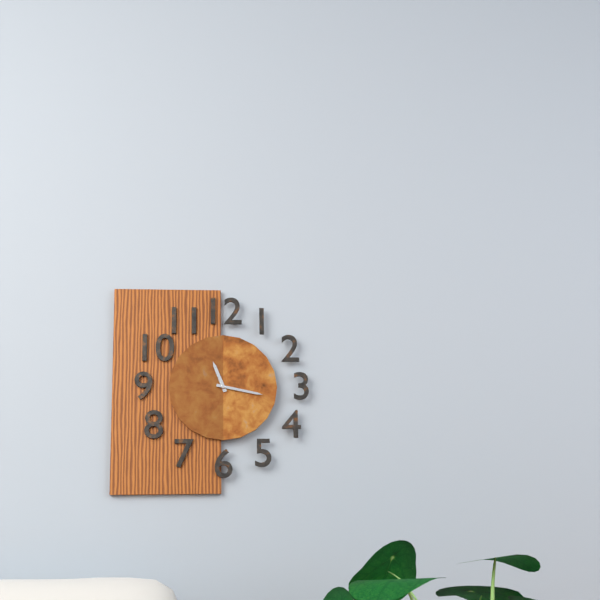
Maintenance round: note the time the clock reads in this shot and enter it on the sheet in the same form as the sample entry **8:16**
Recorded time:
**11:17**
